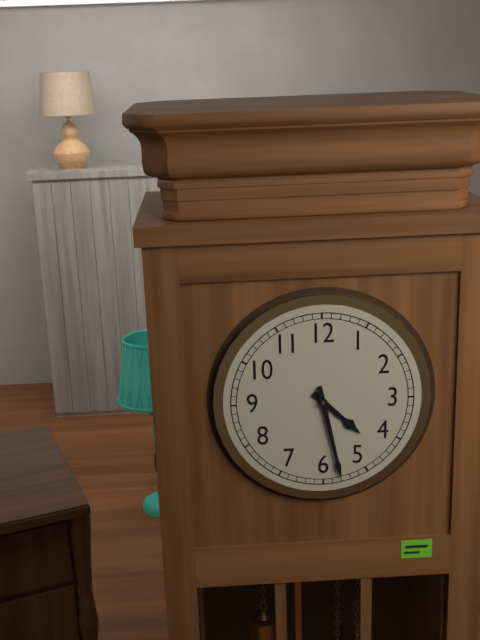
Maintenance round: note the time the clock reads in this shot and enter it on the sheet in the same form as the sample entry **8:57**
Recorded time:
**4:28**
